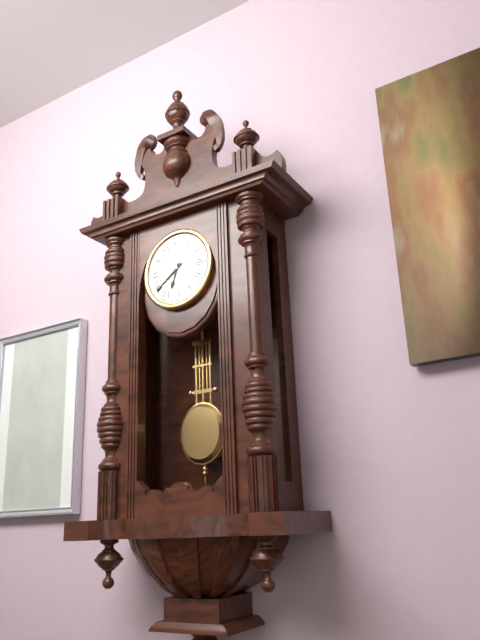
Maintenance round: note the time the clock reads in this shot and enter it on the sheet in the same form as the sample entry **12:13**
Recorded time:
**6:39**
